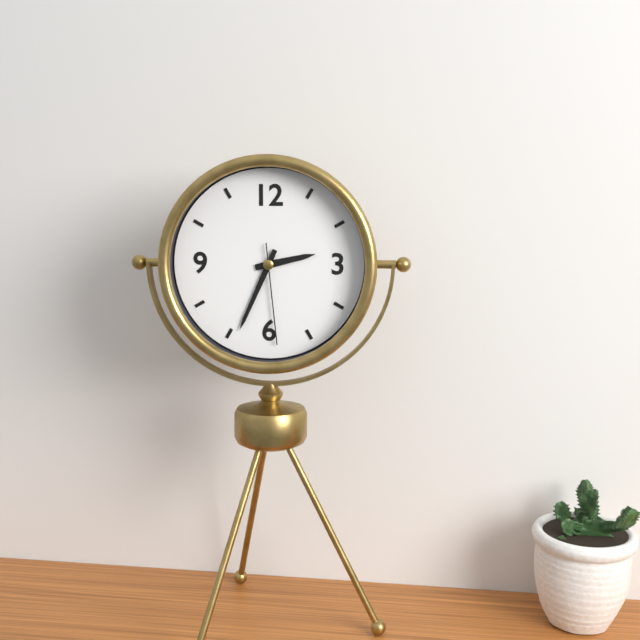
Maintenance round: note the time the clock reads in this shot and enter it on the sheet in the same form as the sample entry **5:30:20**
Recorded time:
**2:34:29**
